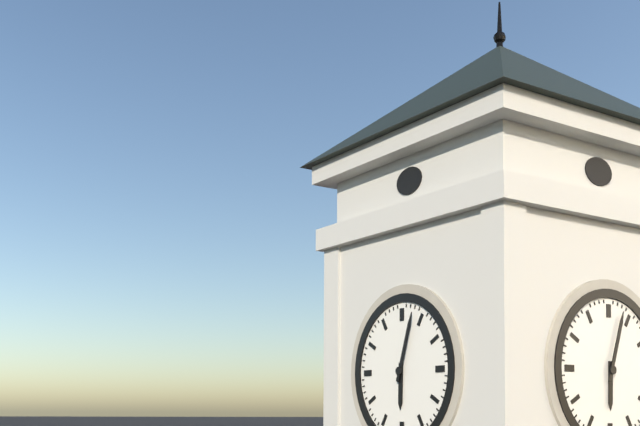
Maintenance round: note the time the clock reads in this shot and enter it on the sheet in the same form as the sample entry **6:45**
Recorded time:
**6:03**
